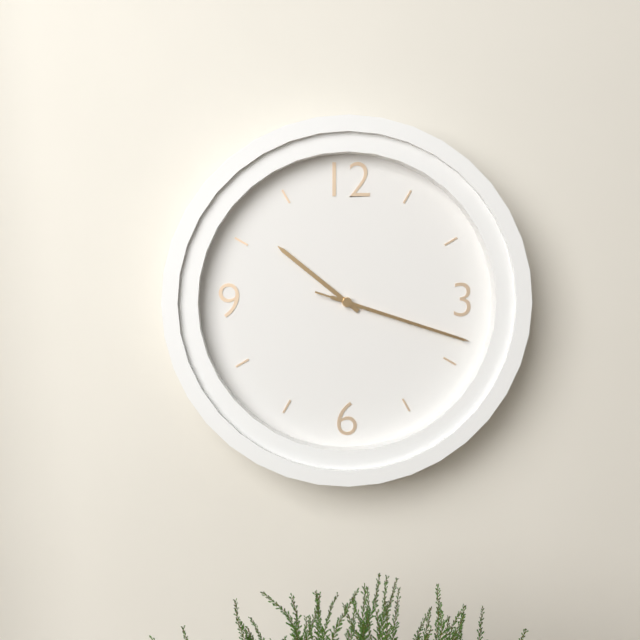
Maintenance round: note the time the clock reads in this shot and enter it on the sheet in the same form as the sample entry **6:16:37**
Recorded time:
**10:18:18**
